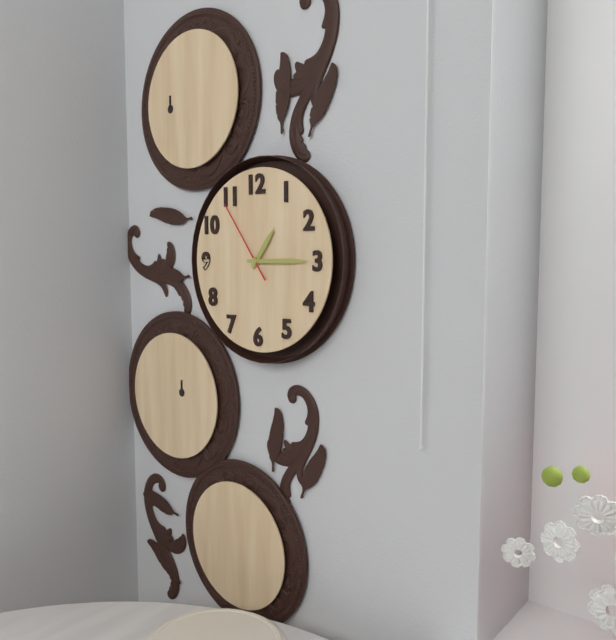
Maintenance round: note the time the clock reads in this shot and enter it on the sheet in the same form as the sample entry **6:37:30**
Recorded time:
**1:15:54**
